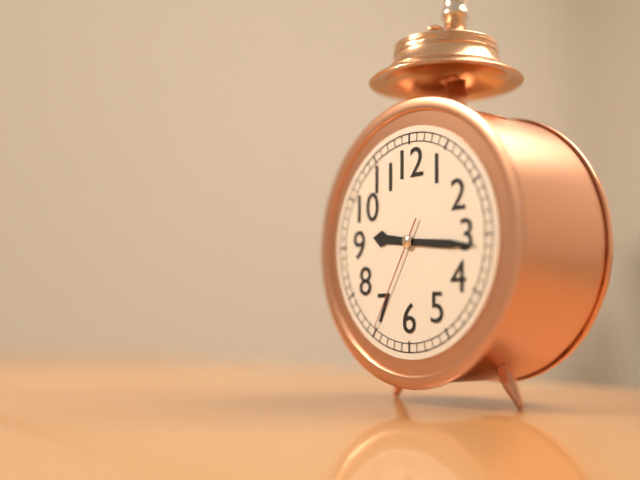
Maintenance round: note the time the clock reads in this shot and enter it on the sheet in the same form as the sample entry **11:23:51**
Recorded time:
**9:16:35**
